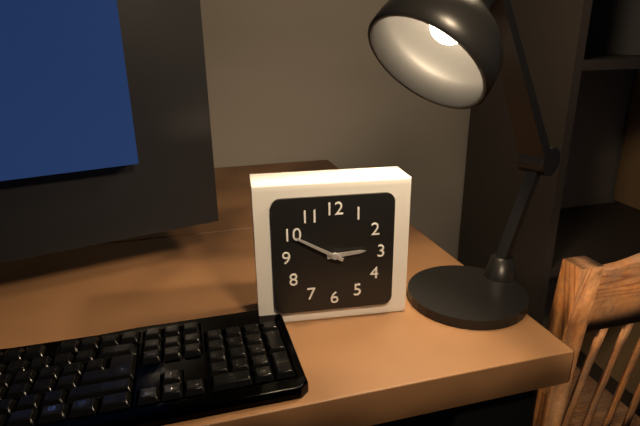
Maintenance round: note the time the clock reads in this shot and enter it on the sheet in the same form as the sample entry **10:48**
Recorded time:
**2:50**
